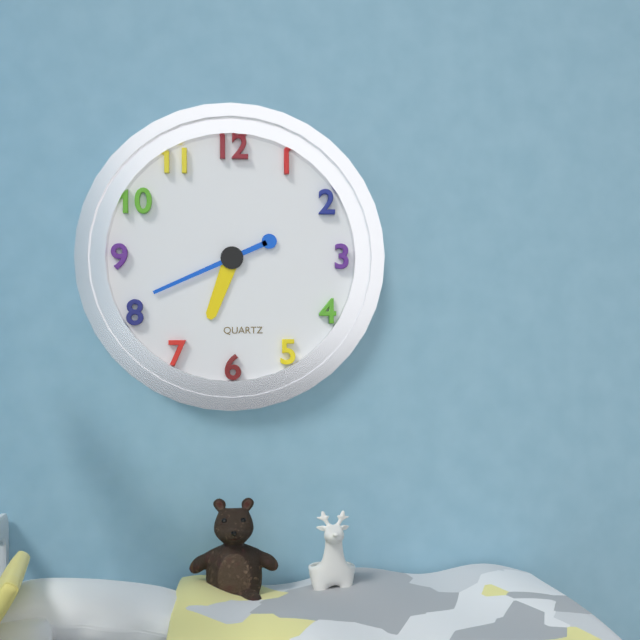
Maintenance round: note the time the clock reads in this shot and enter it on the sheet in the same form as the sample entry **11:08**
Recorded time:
**6:41**
